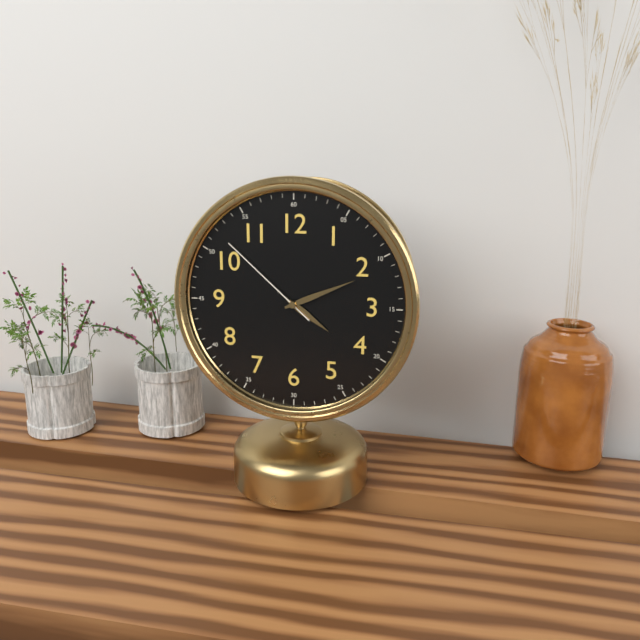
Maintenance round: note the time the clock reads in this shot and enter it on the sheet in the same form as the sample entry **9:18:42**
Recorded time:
**4:11:52**
